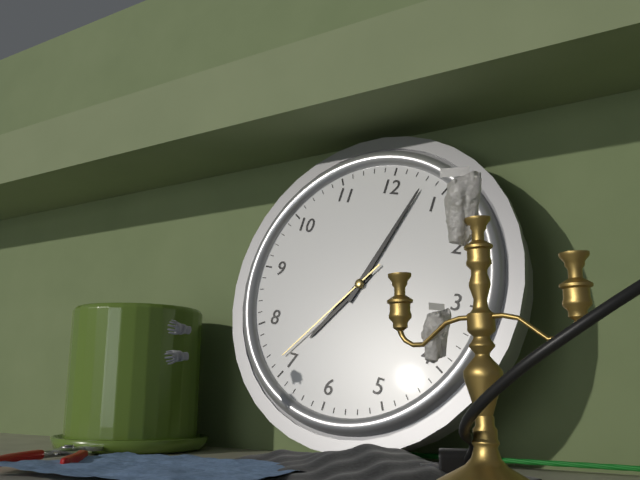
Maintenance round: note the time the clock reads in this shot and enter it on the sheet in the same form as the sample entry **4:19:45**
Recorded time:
**7:03:36**
